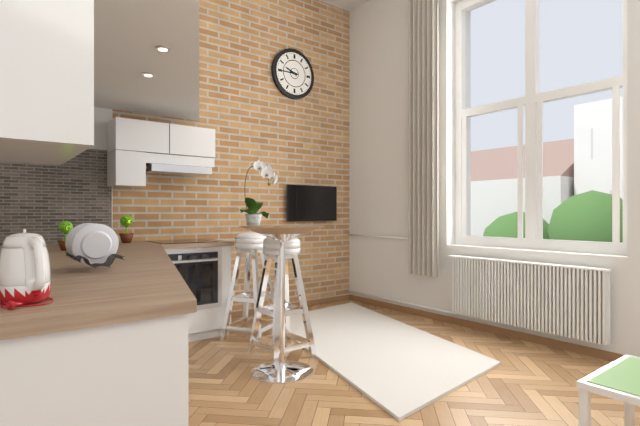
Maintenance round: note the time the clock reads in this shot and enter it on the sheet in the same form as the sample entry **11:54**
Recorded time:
**9:45**
